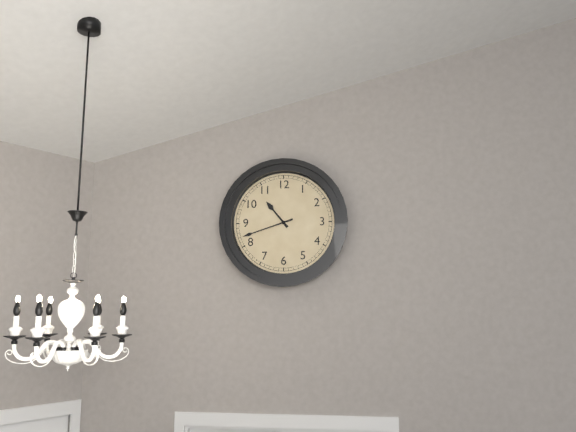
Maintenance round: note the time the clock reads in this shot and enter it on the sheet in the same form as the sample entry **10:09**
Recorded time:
**10:42**
